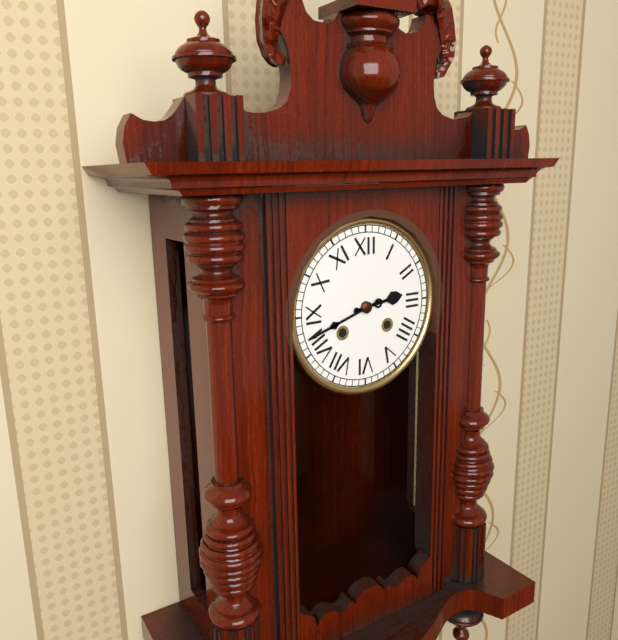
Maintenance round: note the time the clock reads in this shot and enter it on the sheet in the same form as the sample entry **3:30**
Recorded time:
**2:42**
